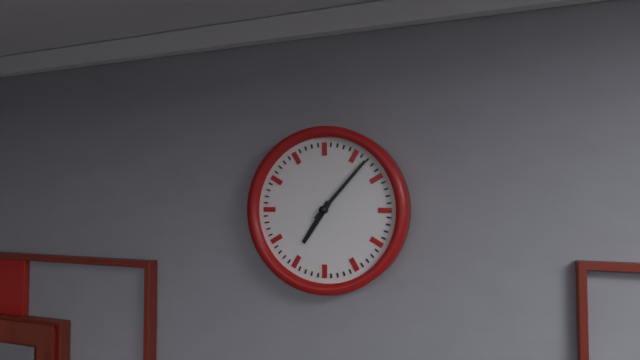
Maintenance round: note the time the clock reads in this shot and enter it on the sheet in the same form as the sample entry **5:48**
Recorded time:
**7:07**
